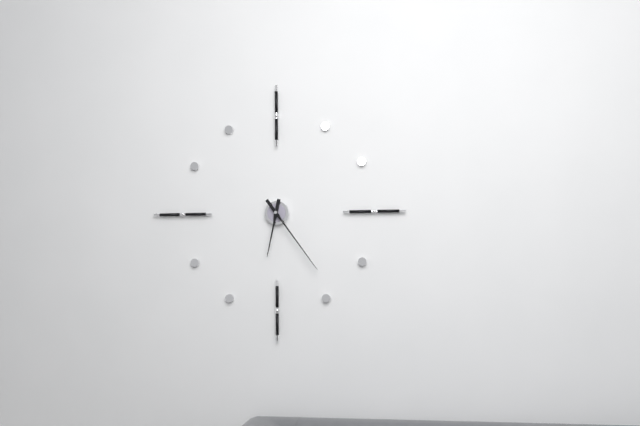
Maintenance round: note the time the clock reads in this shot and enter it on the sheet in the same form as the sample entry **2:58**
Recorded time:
**6:24**
